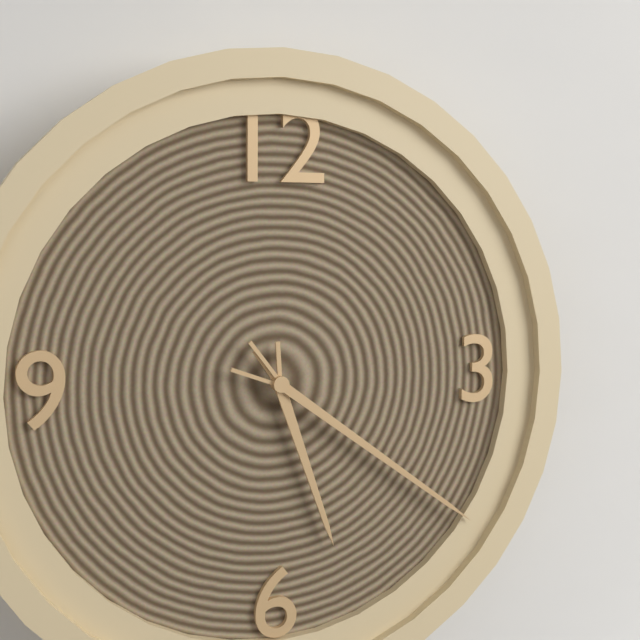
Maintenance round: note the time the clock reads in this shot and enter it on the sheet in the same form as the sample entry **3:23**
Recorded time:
**5:21**
